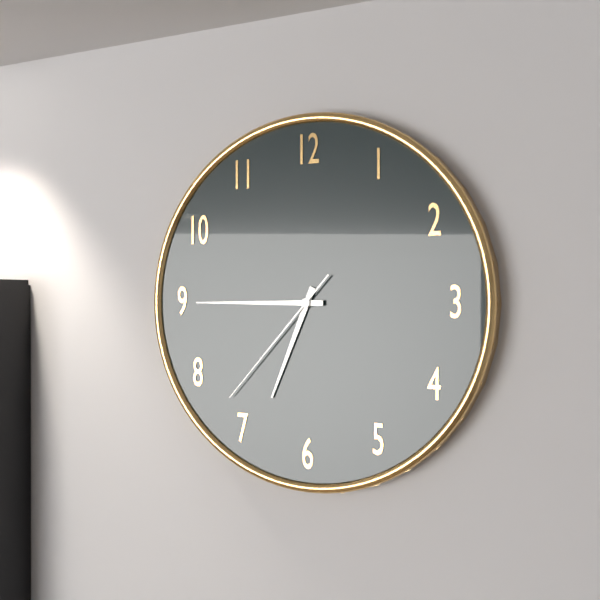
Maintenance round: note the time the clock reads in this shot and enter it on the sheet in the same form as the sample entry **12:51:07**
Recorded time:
**6:45:37**
